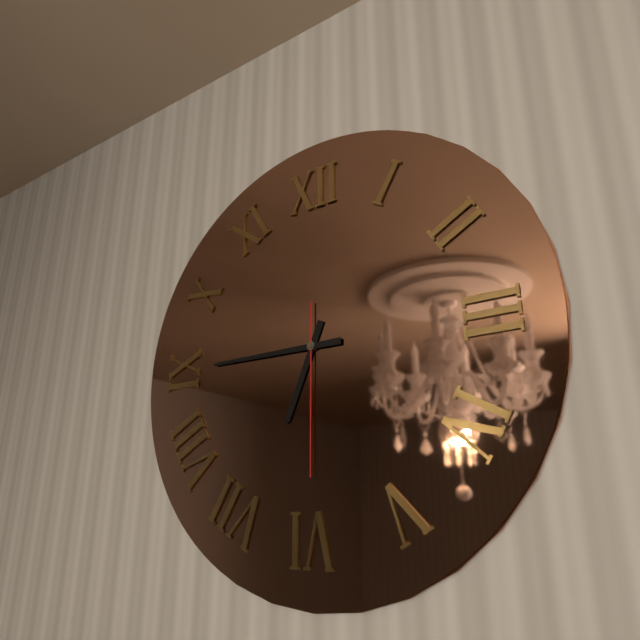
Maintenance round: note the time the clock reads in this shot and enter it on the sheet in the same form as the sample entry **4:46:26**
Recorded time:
**6:45:30**
